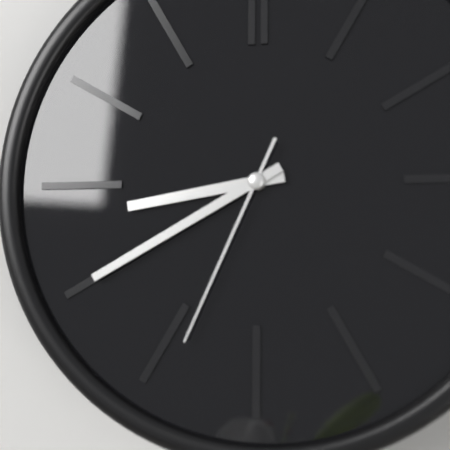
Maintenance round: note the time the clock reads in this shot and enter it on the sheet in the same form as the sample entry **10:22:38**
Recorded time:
**8:40:34**
